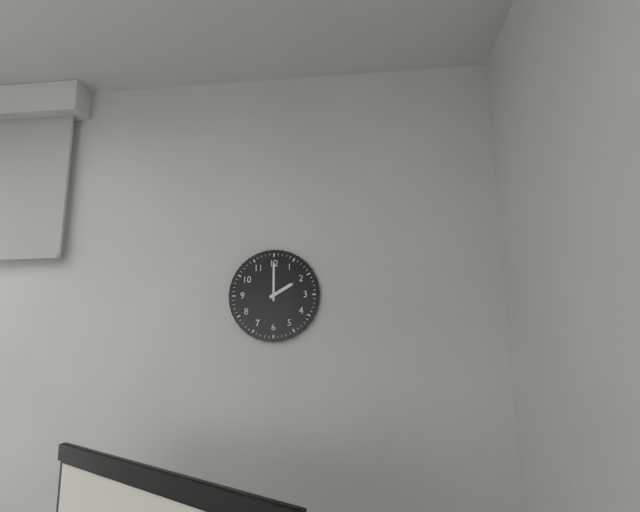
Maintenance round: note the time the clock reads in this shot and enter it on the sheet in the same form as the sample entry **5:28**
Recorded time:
**2:00**
